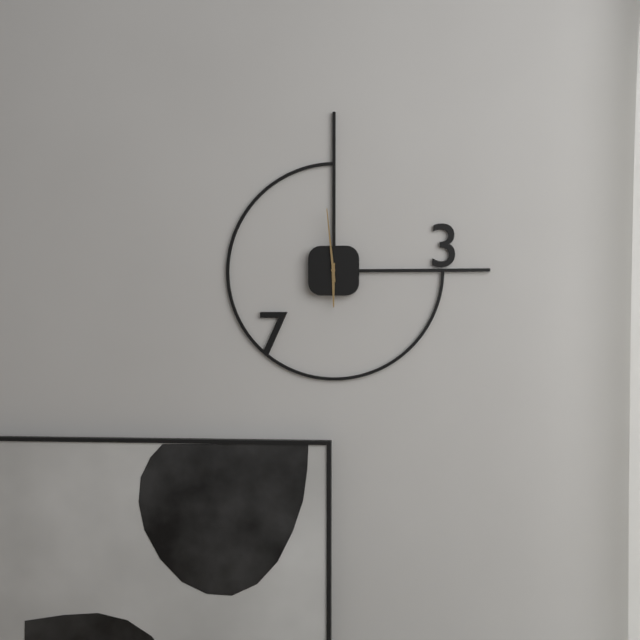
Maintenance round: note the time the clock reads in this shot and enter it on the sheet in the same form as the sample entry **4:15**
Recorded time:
**5:59**
